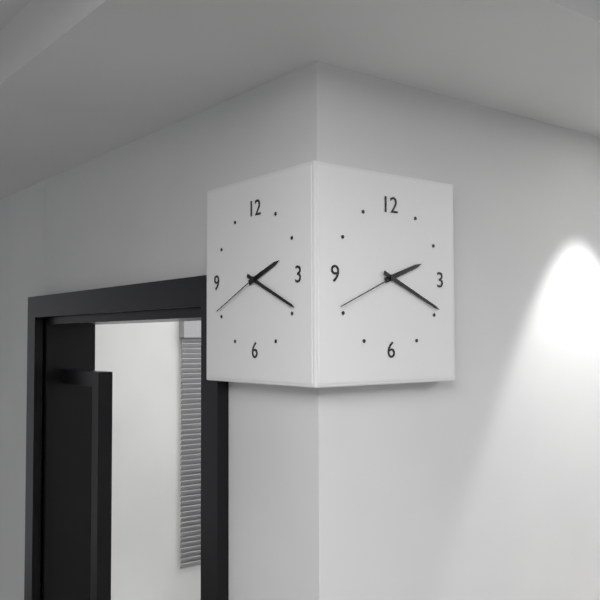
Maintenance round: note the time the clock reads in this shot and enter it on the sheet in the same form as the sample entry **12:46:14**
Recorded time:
**2:19:41**
